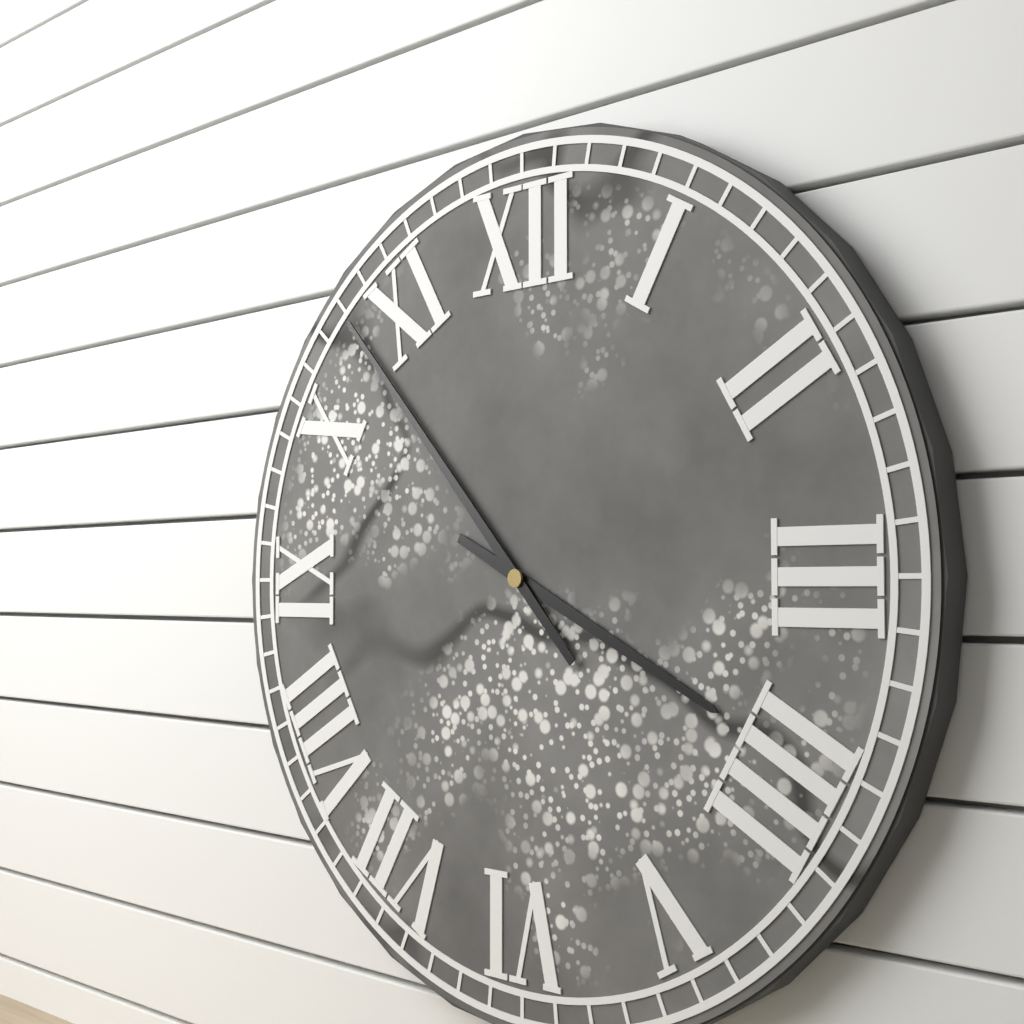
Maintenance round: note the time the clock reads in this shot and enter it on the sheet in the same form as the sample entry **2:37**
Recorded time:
**3:53**
